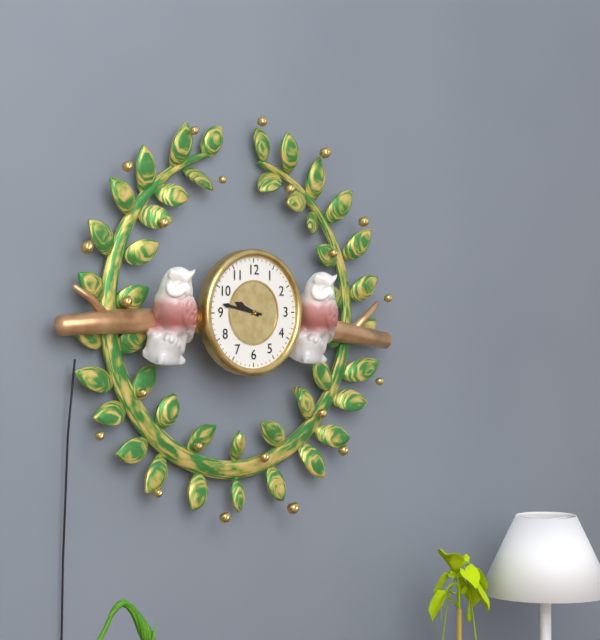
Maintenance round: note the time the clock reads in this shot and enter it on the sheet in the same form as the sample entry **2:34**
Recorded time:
**9:47**
